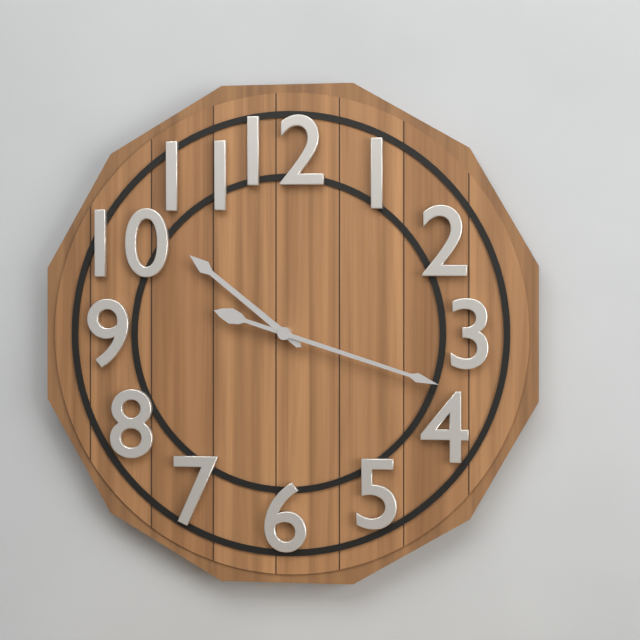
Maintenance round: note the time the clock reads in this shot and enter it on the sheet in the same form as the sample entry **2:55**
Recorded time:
**10:18**
